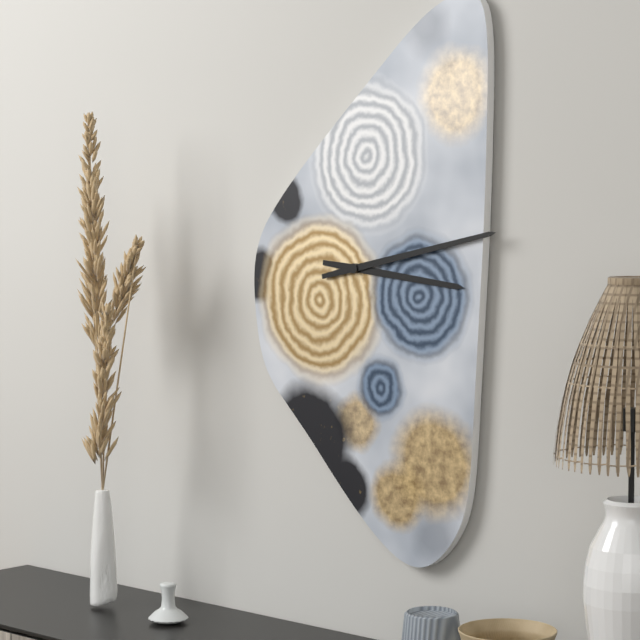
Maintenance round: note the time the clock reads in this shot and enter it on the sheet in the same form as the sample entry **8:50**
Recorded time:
**3:13**
